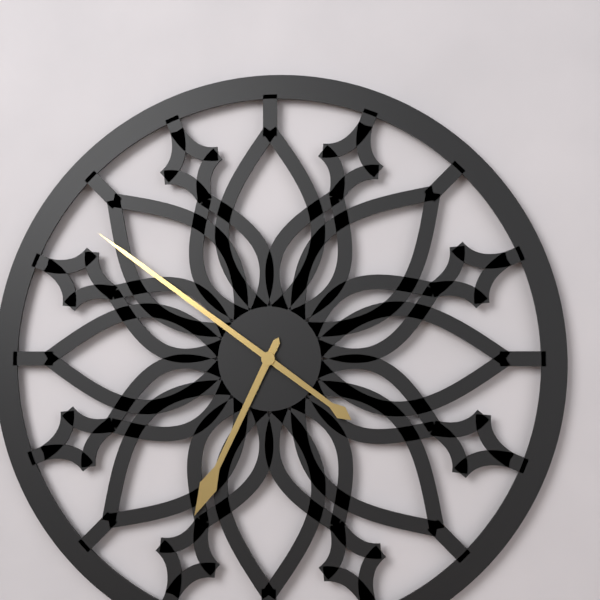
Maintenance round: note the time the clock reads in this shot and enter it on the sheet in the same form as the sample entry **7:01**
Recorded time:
**6:51**
